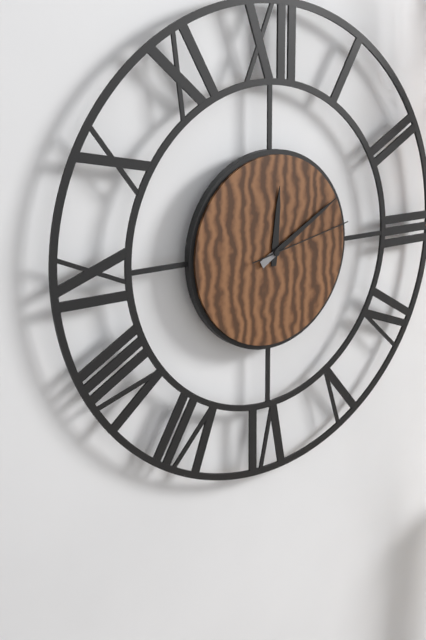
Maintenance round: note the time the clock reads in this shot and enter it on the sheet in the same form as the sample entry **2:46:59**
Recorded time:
**12:10:13**
